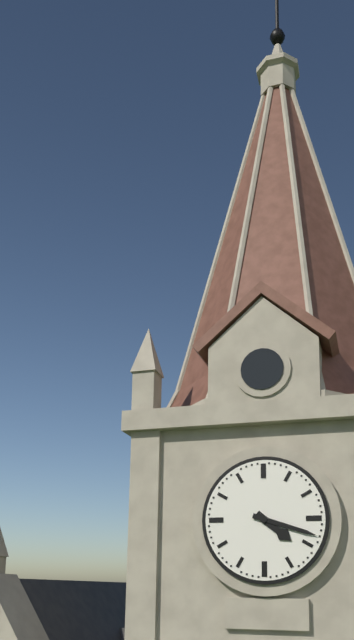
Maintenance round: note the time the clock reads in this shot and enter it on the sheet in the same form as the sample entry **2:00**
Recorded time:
**4:18**
